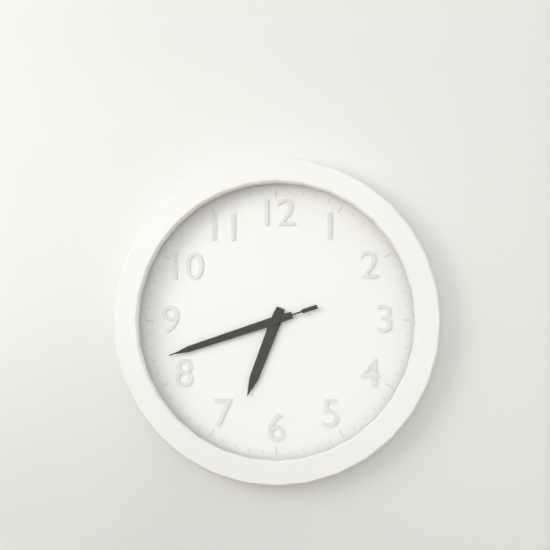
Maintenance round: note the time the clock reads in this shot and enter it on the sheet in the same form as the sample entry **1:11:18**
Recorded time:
**6:42:42**
